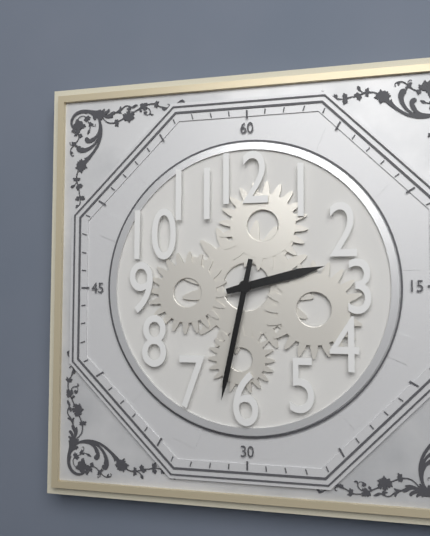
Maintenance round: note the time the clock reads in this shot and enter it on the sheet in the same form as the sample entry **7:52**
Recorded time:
**2:32**
